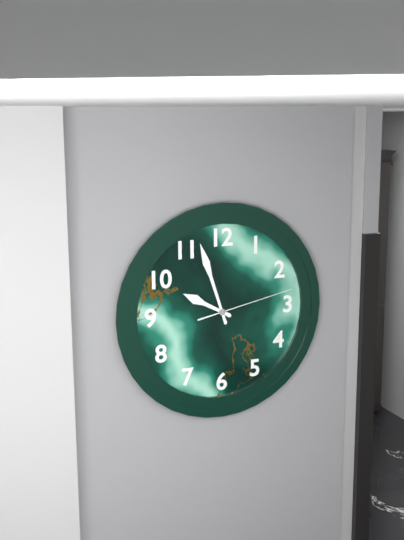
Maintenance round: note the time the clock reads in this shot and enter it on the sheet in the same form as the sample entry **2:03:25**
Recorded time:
**9:57:13**
